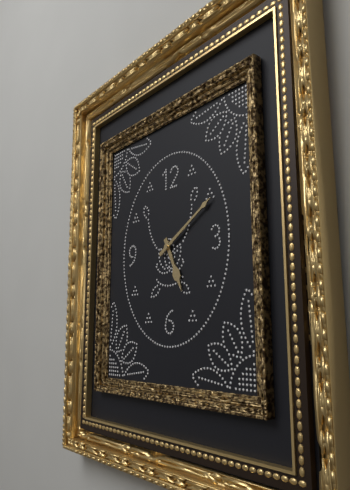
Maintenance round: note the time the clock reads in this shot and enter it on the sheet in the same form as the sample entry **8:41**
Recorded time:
**5:10**
